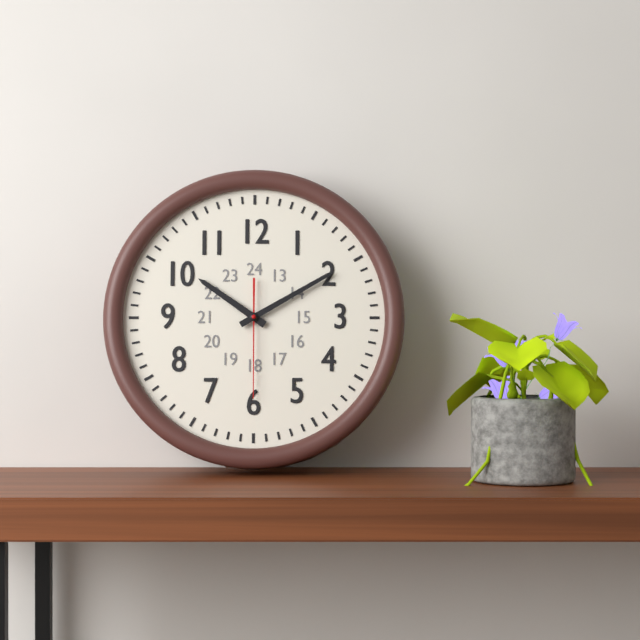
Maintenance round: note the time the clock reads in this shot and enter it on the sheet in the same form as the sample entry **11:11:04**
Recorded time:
**10:10:30**
